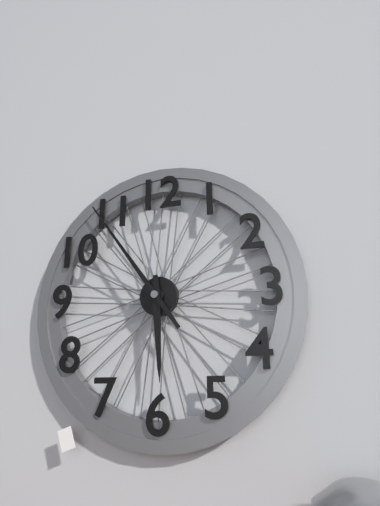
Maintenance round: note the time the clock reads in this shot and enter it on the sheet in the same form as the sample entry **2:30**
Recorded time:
**5:54**
